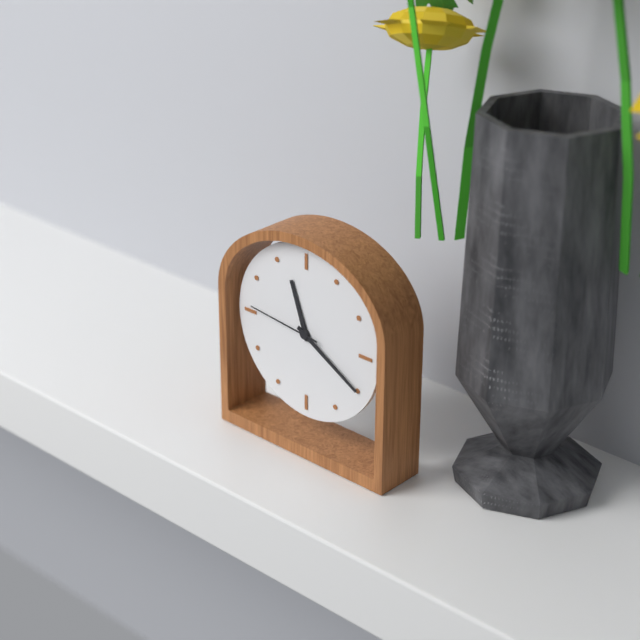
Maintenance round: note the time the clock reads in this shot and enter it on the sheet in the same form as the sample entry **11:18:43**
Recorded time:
**11:20:46**
